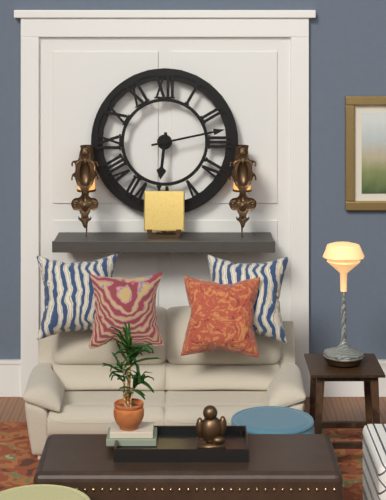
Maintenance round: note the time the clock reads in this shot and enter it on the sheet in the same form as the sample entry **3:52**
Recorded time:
**6:13**
